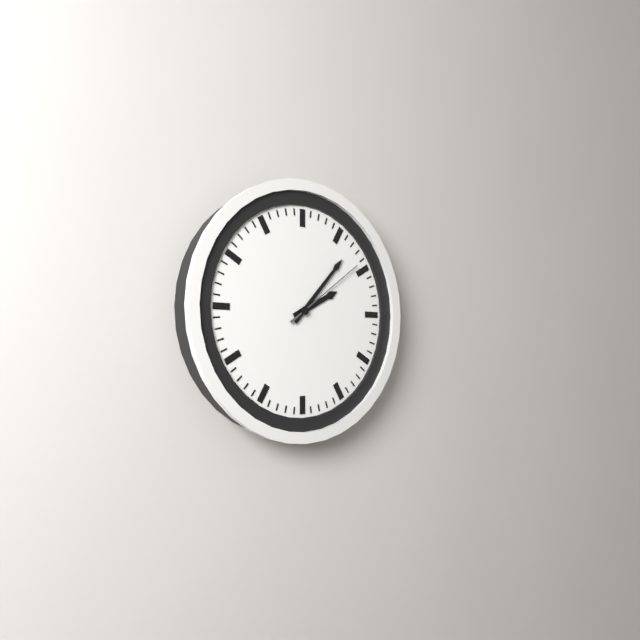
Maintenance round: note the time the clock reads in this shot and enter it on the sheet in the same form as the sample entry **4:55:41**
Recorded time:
**2:07:09**
